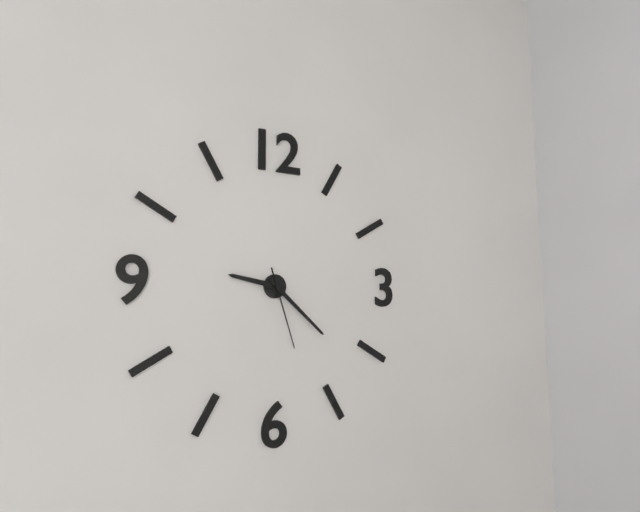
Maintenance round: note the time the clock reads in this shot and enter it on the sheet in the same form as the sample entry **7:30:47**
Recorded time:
**9:22:27**
